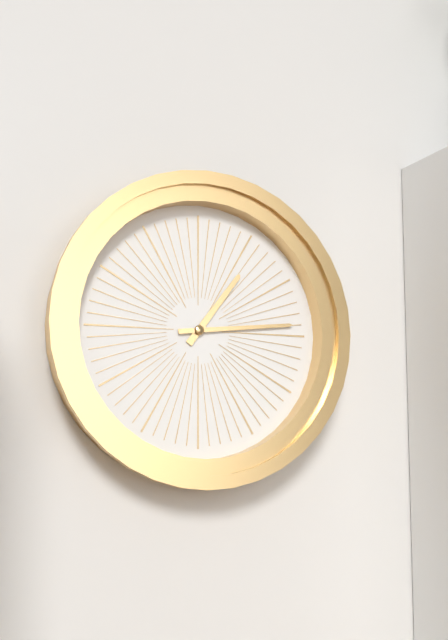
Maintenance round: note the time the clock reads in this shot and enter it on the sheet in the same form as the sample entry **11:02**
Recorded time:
**1:14**
